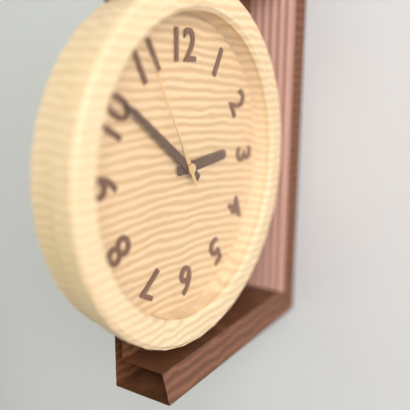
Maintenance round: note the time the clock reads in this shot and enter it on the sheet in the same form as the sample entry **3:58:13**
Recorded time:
**2:51:55**
